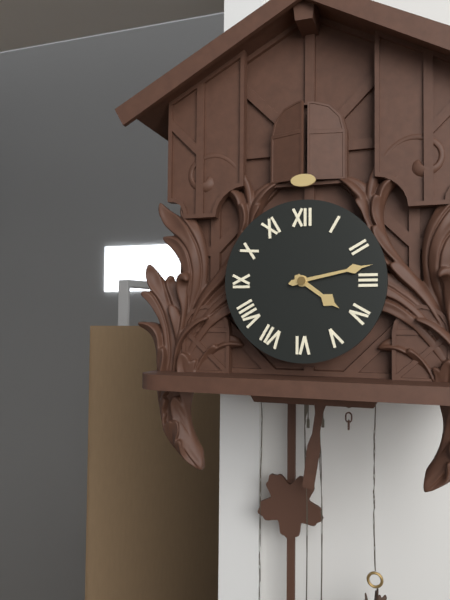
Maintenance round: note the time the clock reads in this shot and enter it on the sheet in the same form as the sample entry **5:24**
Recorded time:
**4:13**
